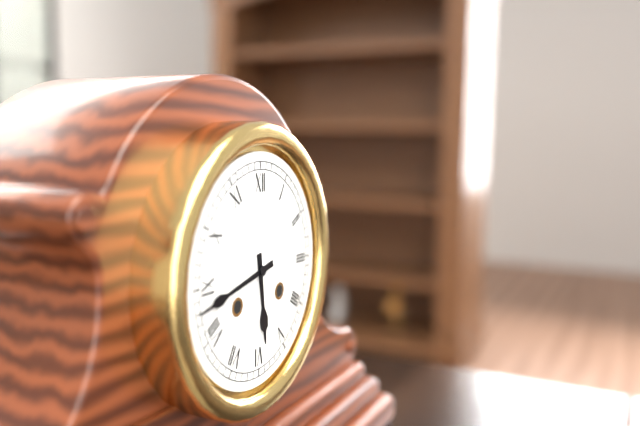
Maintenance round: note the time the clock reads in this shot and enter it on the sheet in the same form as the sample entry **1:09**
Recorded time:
**5:43**
